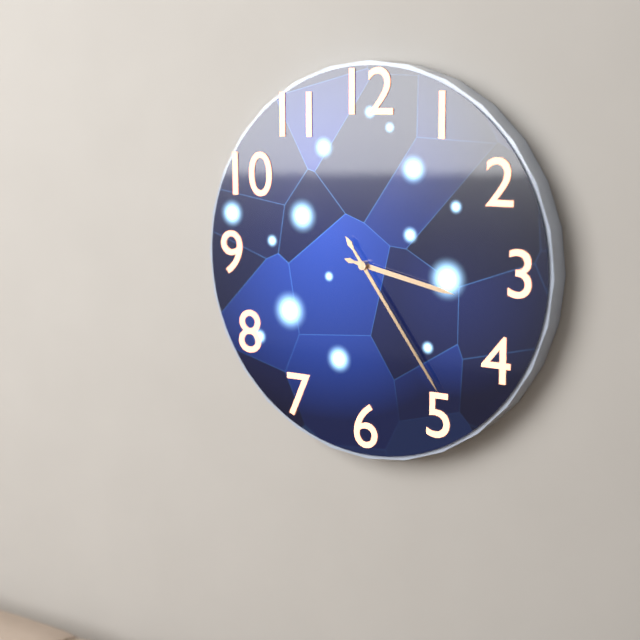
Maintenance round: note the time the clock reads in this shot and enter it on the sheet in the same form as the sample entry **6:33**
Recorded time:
**3:24**
